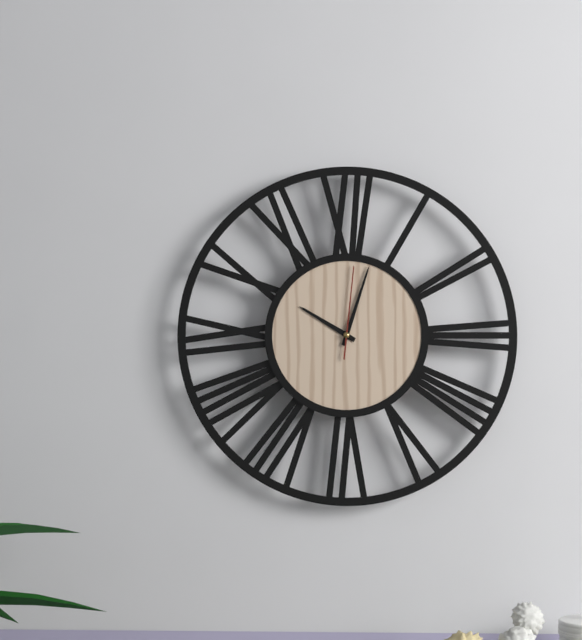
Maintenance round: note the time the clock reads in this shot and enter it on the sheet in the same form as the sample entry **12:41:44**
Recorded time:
**10:03:01**
